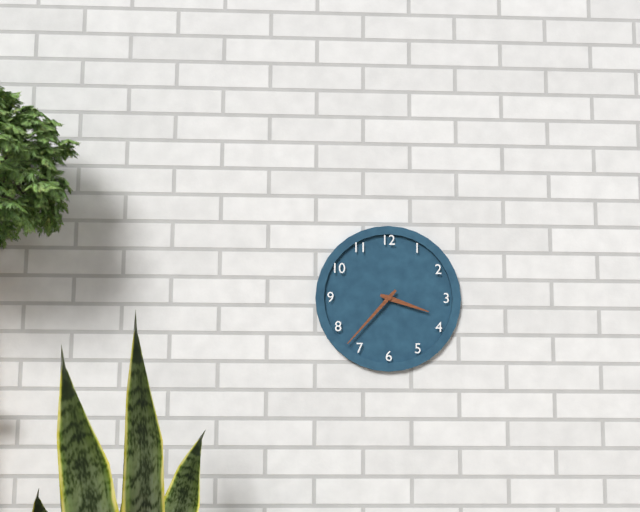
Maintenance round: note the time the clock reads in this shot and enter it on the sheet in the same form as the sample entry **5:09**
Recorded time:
**3:37**
